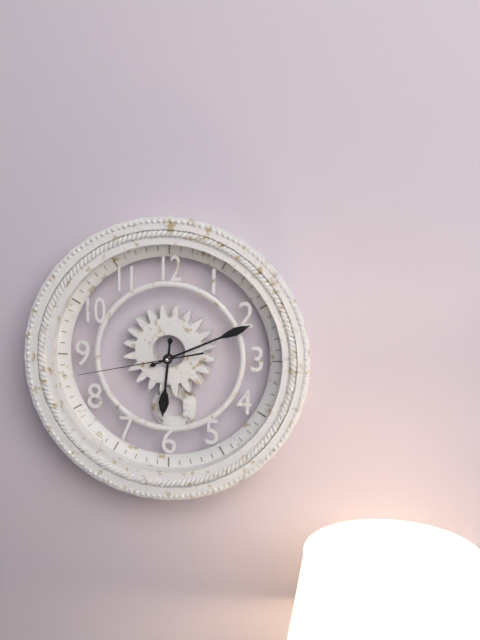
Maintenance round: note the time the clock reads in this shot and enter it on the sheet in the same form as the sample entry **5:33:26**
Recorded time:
**6:11:43**
